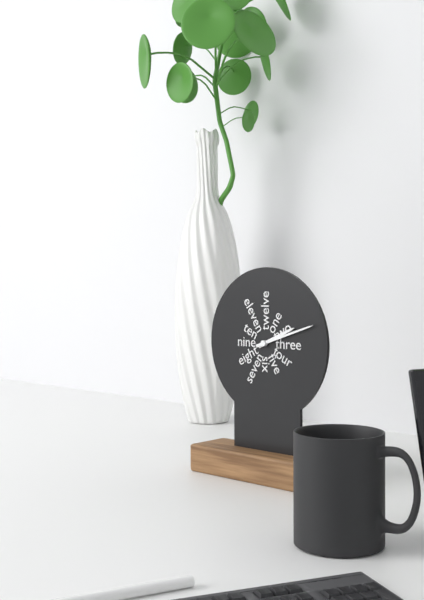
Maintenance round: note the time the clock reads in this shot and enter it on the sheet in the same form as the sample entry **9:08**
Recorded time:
**2:12**
